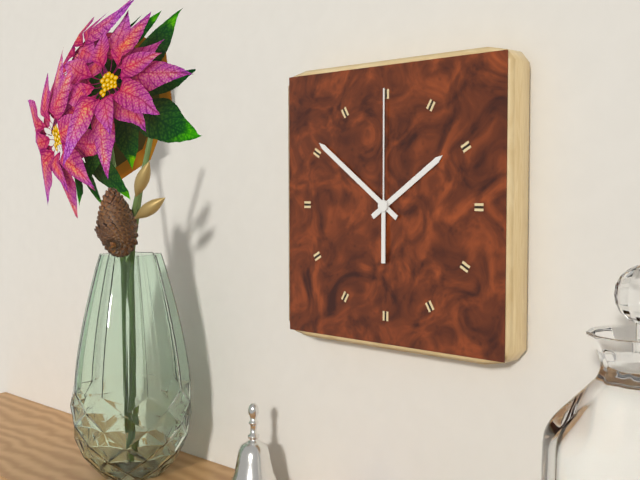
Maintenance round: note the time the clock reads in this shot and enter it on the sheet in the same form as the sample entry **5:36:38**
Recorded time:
**1:51:00**
